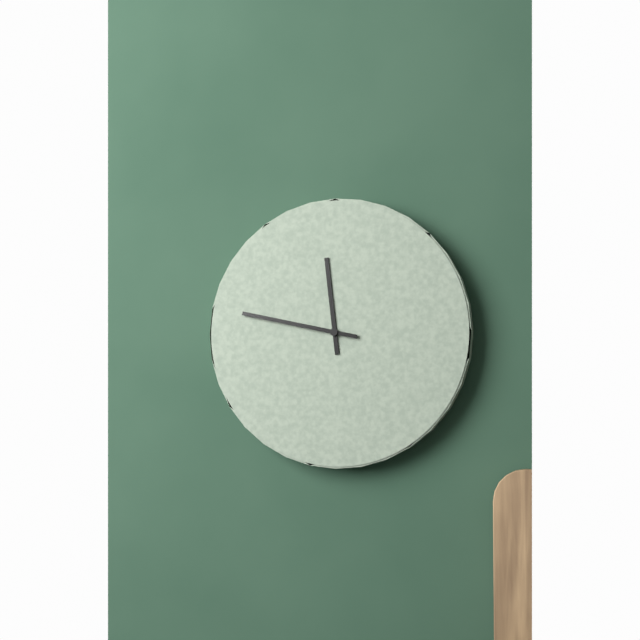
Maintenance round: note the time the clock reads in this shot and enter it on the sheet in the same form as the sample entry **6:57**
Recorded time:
**11:47**
